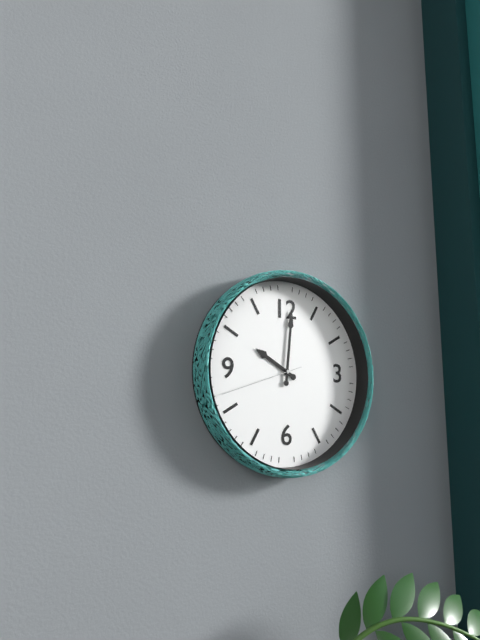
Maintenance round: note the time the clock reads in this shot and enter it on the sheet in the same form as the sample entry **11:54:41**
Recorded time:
**10:01:42**
